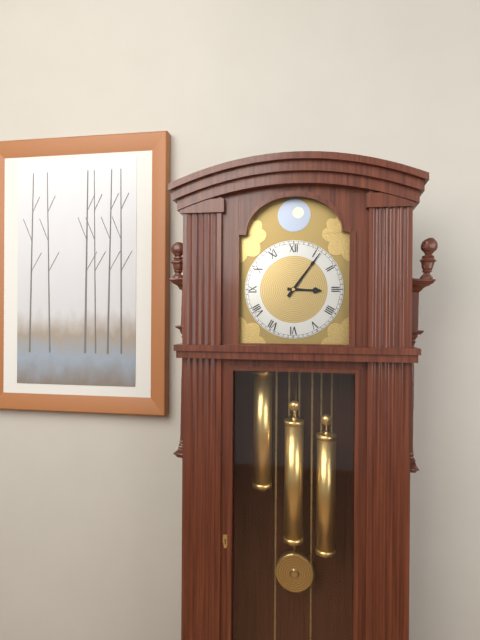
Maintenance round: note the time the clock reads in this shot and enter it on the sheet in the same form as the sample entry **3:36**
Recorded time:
**3:06**
